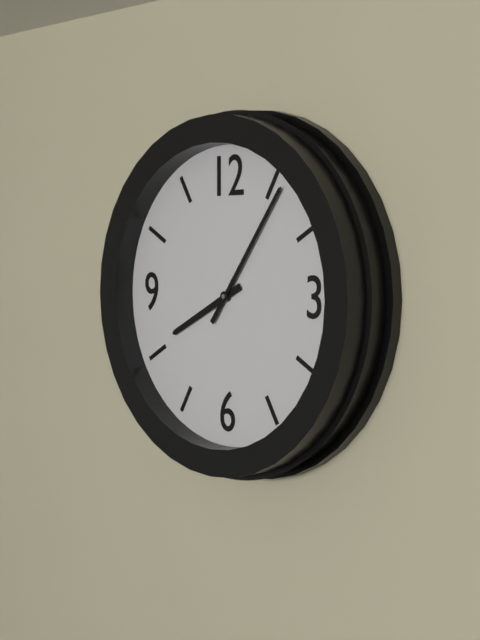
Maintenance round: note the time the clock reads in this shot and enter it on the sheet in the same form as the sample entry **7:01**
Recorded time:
**8:06**
